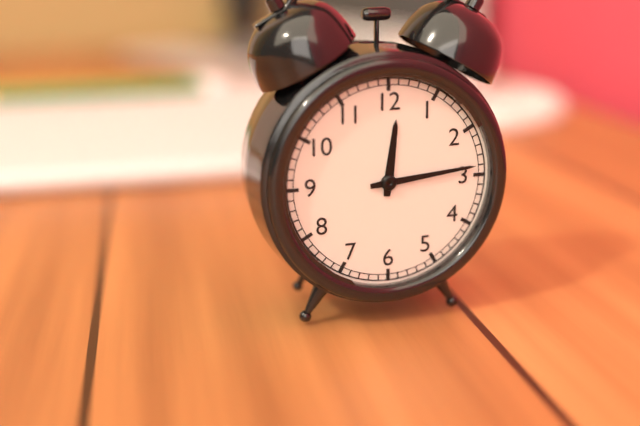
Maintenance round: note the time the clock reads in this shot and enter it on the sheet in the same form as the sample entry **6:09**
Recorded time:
**12:14**
